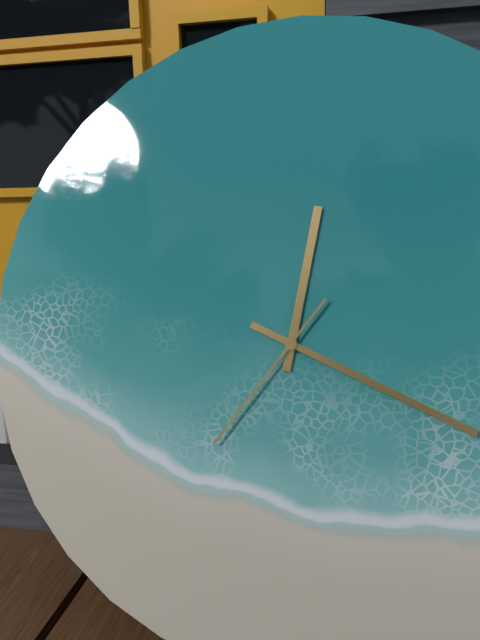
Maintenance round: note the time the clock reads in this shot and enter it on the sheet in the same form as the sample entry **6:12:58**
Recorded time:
**12:19:36**
